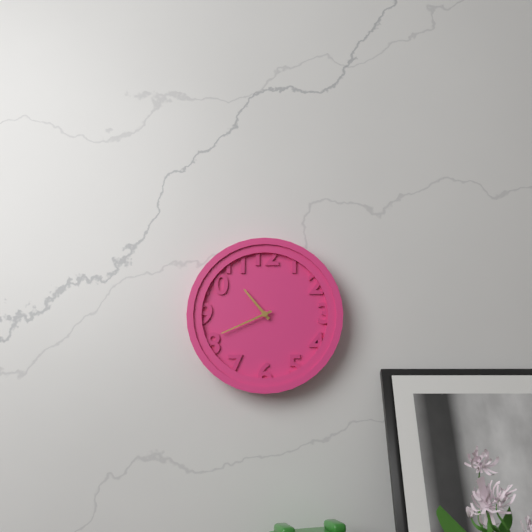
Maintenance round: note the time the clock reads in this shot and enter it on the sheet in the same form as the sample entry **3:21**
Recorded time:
**10:41**
